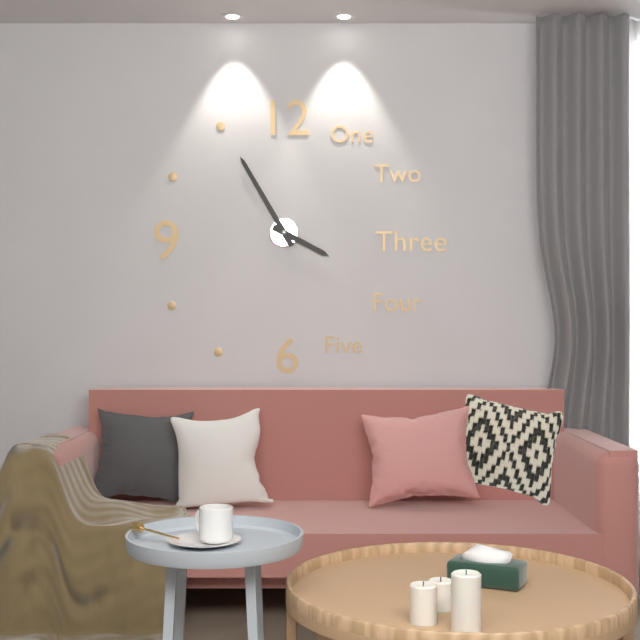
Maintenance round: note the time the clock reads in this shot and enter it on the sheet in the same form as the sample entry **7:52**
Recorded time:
**3:55**
